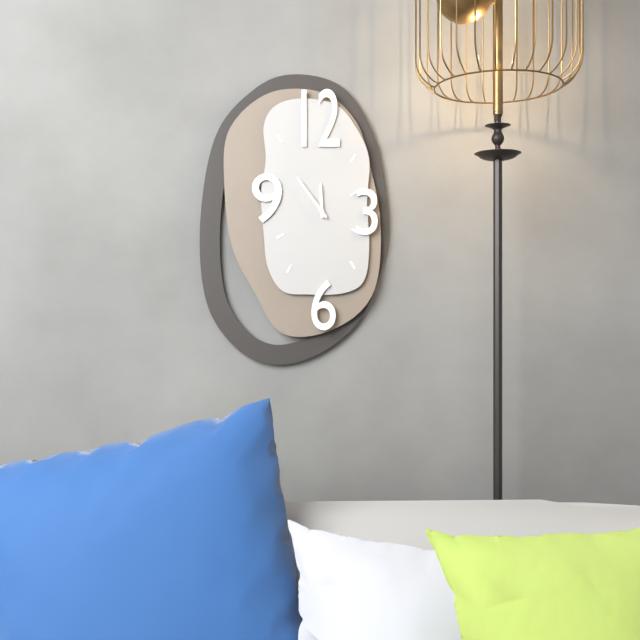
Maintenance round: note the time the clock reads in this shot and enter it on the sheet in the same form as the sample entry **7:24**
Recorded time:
**11:54**
